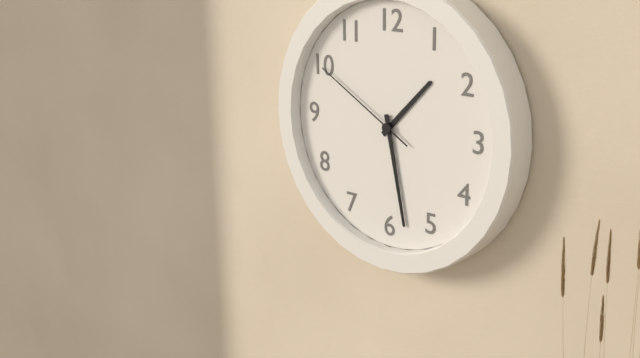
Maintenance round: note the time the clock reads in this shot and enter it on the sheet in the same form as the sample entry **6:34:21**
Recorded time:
**1:28:50**
